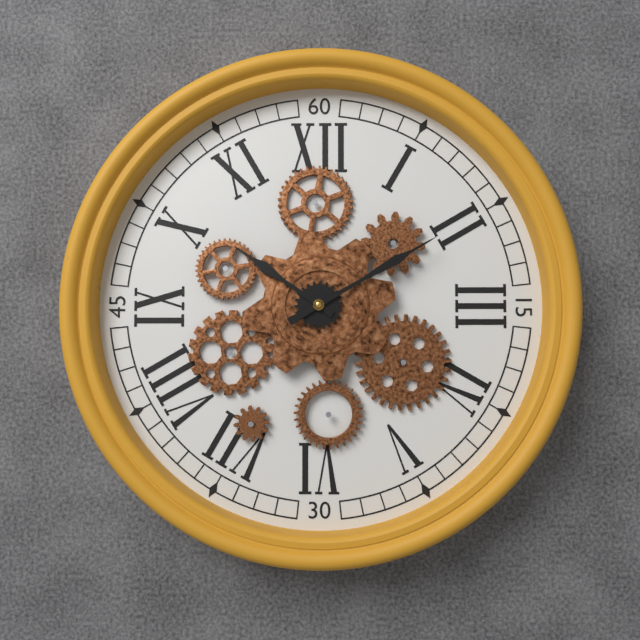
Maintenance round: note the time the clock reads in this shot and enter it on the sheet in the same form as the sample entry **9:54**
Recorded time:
**10:10**
